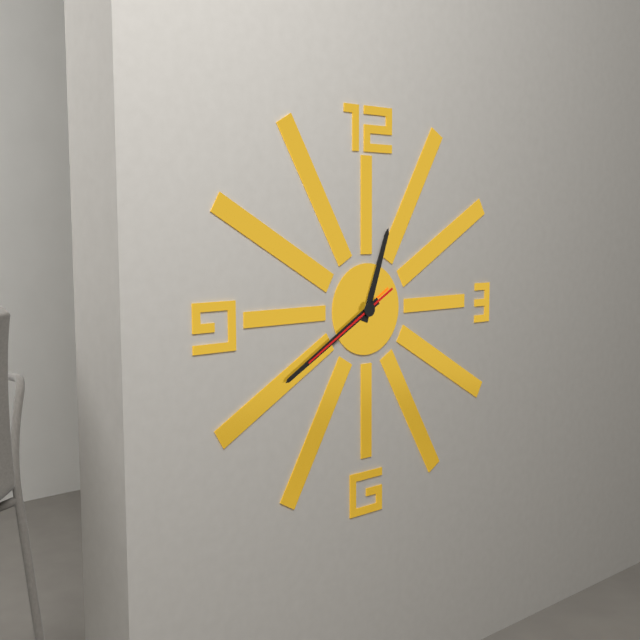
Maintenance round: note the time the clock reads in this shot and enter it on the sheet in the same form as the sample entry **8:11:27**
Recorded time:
**12:40:40**
